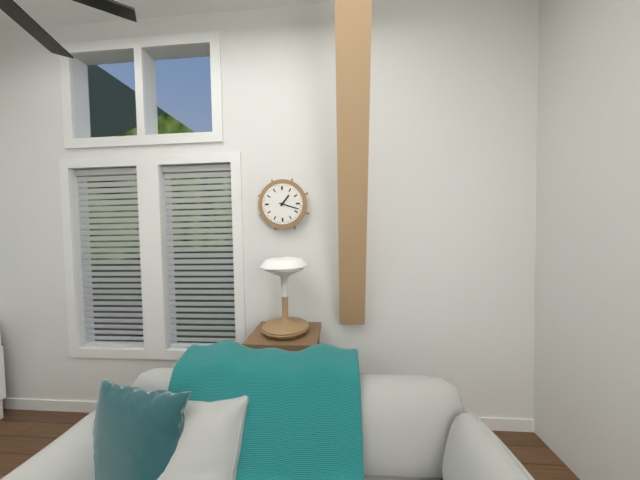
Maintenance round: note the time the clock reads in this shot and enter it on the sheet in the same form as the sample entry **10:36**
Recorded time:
**1:18**
